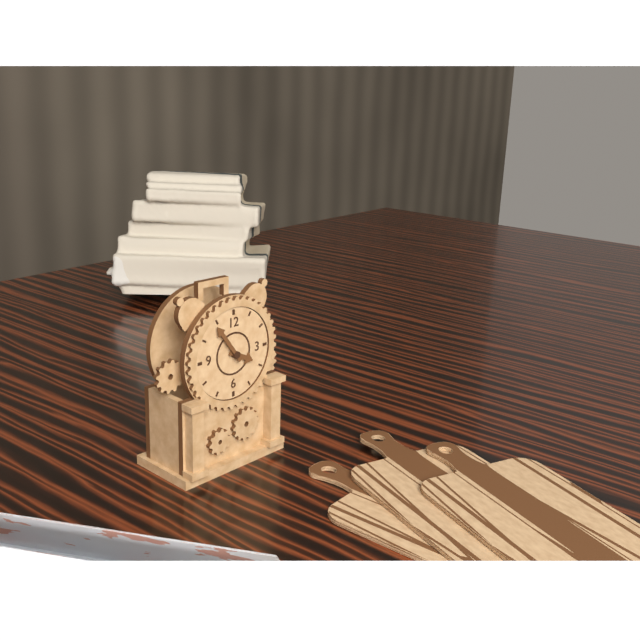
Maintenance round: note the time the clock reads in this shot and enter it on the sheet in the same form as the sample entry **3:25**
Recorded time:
**3:54**
